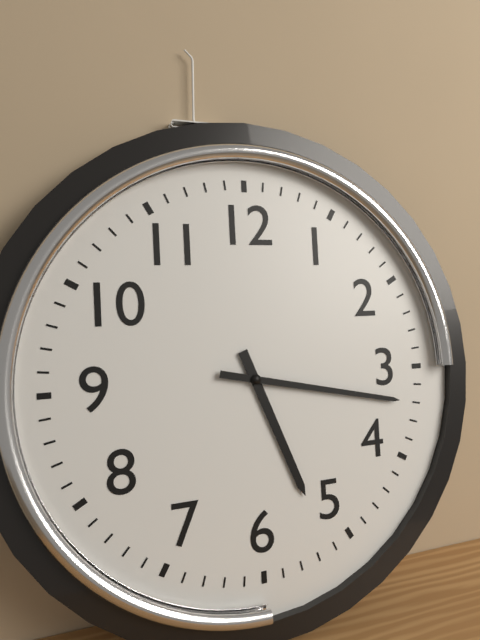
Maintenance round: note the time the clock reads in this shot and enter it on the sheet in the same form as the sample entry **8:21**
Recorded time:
**5:17**
